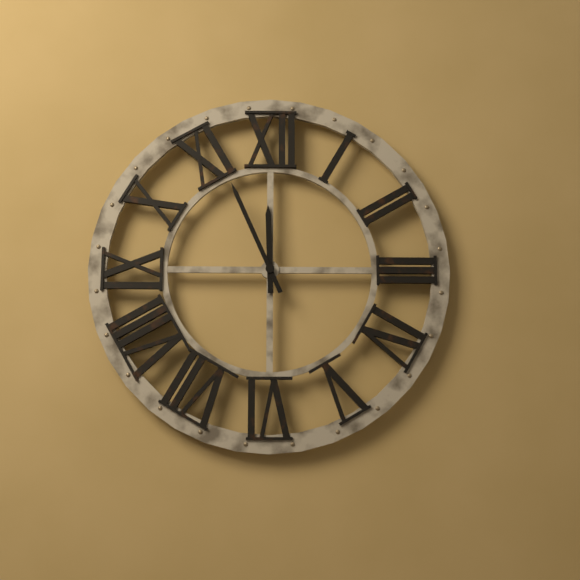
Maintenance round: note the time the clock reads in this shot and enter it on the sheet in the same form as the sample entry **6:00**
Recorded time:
**11:56**
